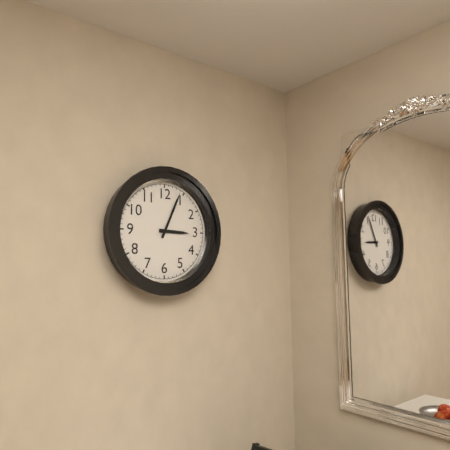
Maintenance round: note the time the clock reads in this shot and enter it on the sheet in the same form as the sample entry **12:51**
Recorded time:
**3:04**
